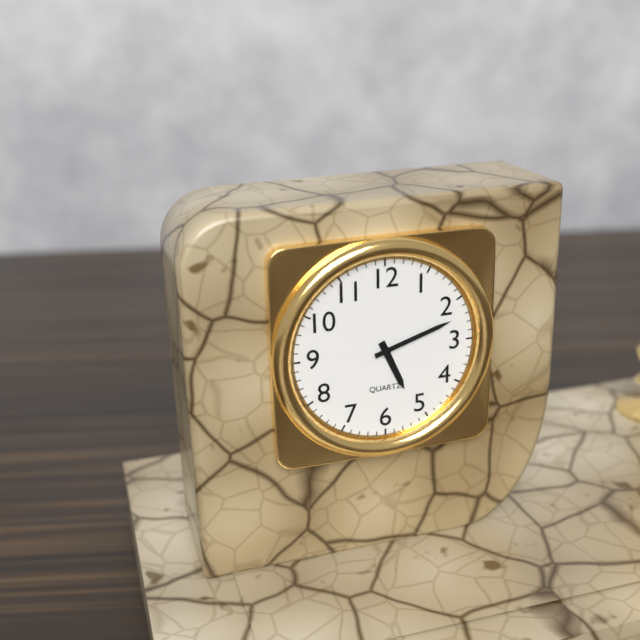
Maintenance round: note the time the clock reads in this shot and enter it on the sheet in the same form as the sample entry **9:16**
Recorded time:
**5:12**
